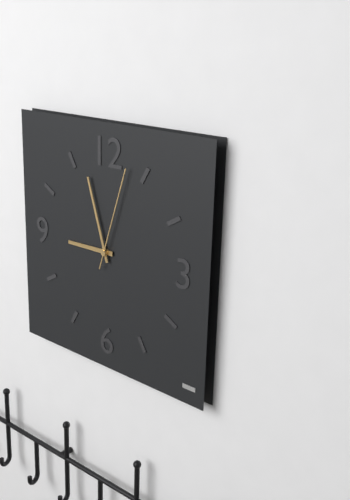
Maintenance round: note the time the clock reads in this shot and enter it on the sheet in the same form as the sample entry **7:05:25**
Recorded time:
**8:57:03**
